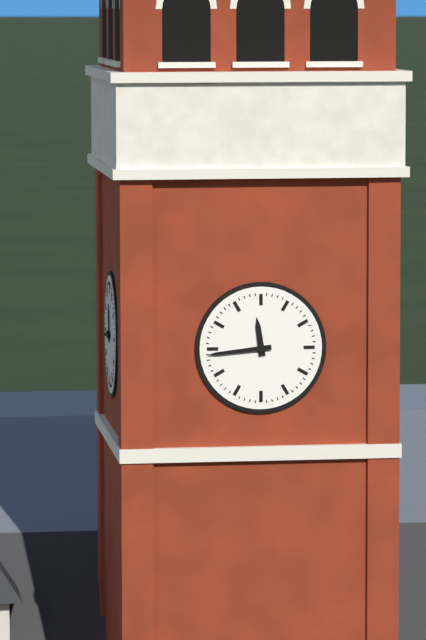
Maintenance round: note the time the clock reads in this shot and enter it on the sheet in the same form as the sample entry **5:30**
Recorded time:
**11:44**
